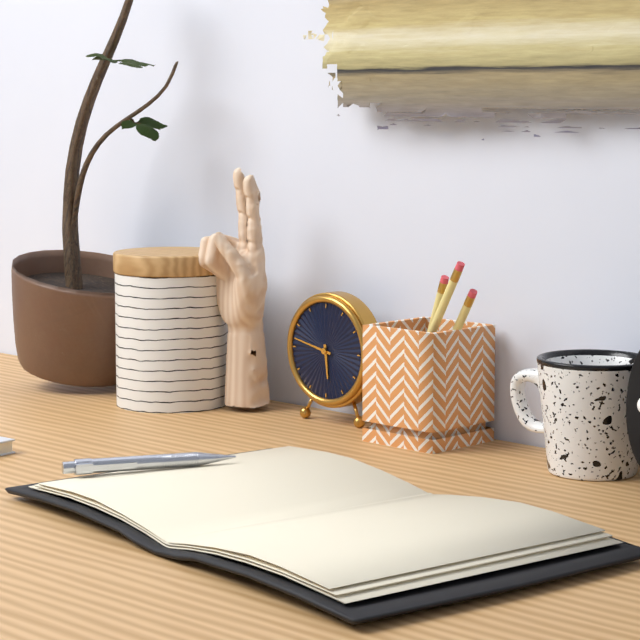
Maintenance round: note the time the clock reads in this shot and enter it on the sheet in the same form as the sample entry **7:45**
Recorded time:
**5:47**
